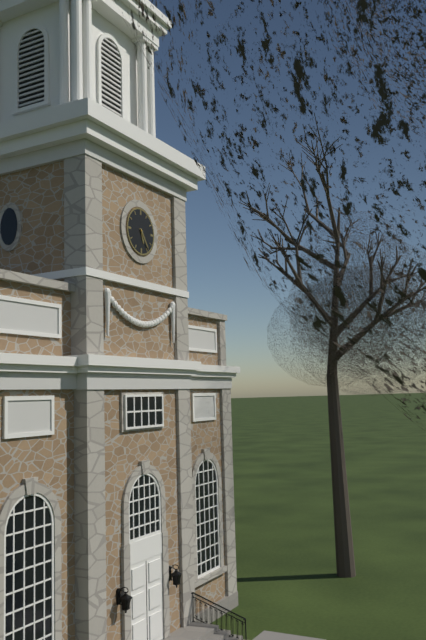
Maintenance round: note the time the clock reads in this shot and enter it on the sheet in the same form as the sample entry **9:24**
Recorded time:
**5:24**
